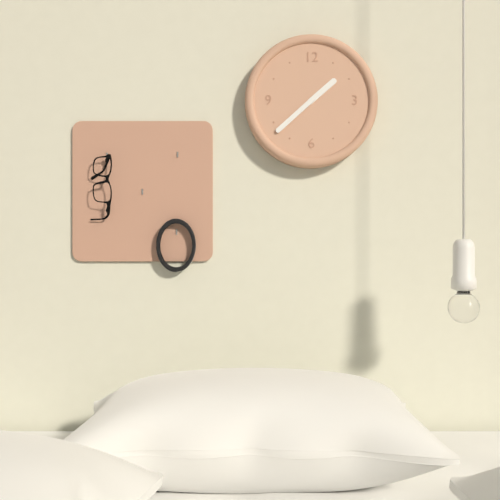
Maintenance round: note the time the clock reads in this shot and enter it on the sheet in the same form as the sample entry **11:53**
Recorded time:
**1:38**
